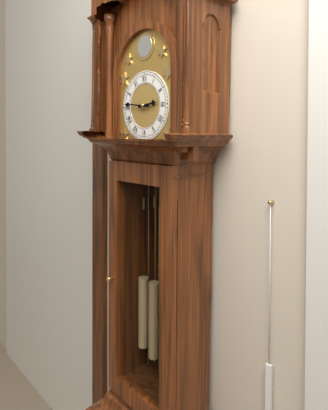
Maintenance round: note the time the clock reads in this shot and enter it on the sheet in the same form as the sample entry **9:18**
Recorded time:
**2:46**
